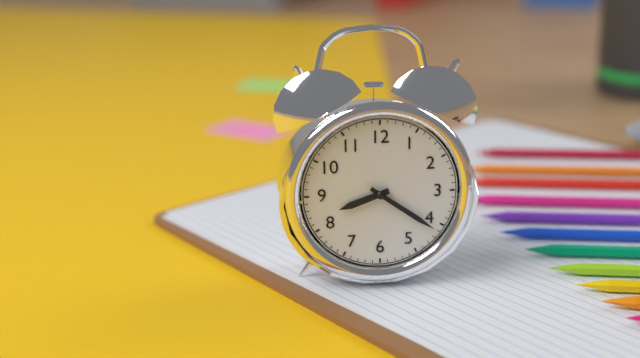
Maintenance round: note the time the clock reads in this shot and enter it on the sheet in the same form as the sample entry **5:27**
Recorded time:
**8:21**
